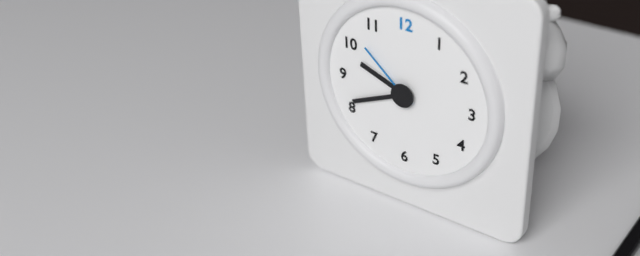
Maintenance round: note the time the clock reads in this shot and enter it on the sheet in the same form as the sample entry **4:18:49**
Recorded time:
**9:41:52**
